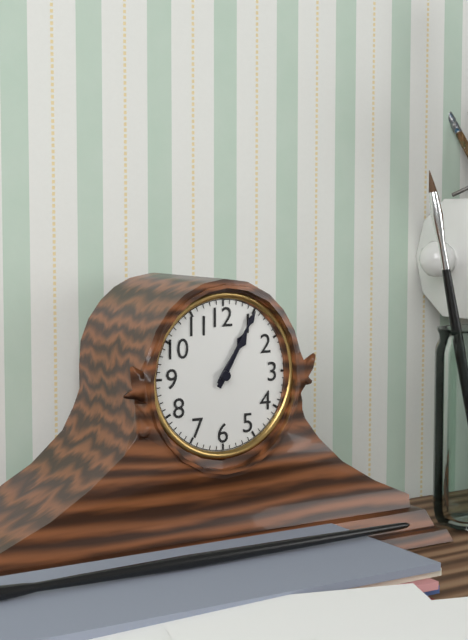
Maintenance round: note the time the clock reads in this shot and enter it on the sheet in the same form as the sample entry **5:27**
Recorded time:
**1:05**
